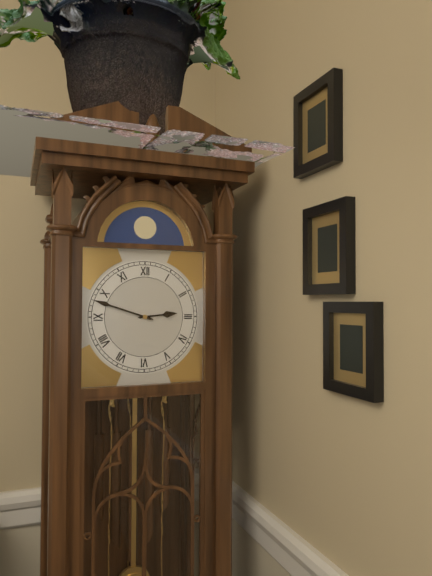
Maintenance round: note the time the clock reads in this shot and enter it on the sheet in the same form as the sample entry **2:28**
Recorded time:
**2:48**
